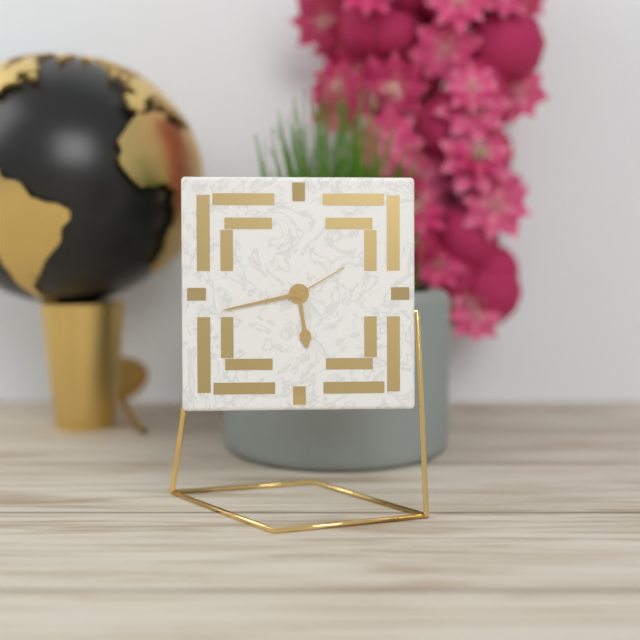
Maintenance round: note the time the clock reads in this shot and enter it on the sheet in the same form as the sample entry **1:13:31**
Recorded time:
**5:43:10**
